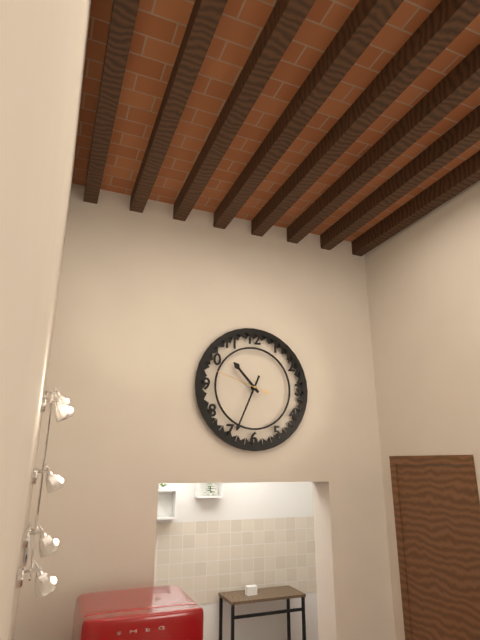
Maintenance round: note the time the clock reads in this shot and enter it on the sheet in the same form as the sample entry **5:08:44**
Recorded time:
**10:34:48**
